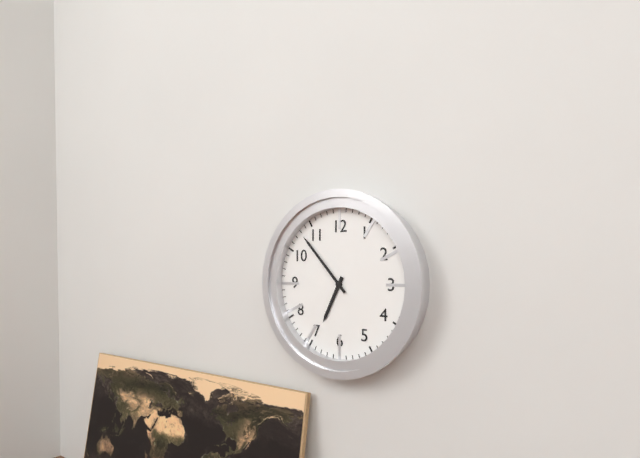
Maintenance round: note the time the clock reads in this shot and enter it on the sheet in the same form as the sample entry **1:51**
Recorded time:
**6:53**
